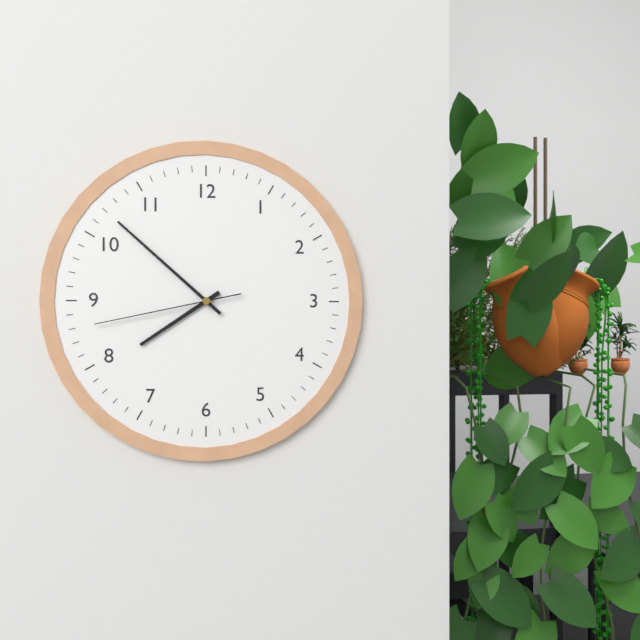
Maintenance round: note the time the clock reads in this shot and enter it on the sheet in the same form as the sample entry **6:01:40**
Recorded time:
**7:52:43**
